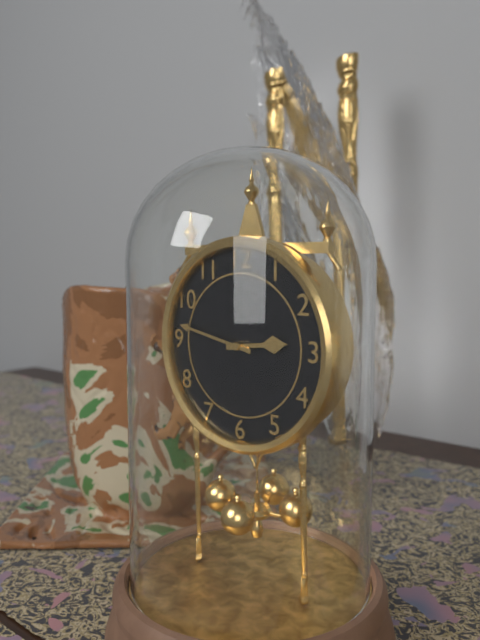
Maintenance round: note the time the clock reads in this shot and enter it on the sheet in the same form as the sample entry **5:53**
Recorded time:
**2:47**
